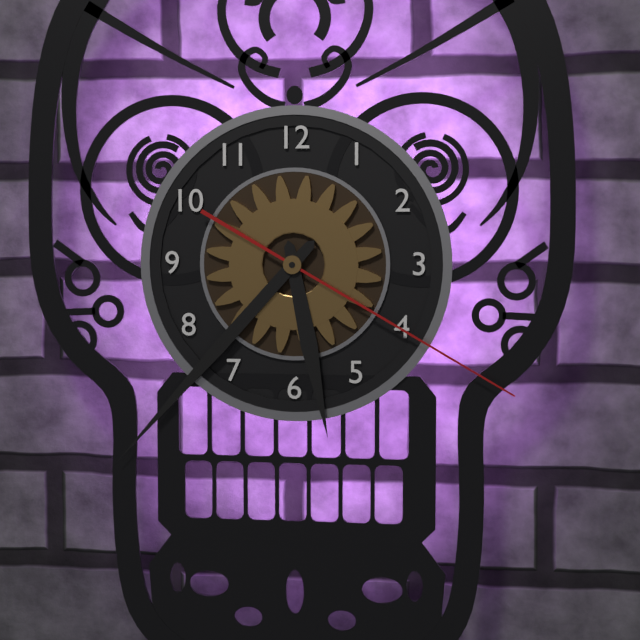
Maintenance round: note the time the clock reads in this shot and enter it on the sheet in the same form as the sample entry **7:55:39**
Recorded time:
**5:37:20**
